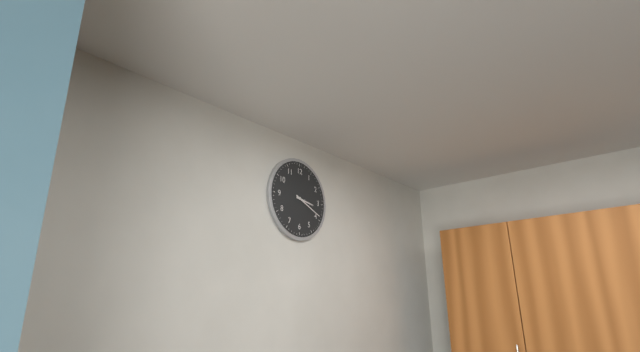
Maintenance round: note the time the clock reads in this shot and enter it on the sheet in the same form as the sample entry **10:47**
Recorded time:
**3:19**
